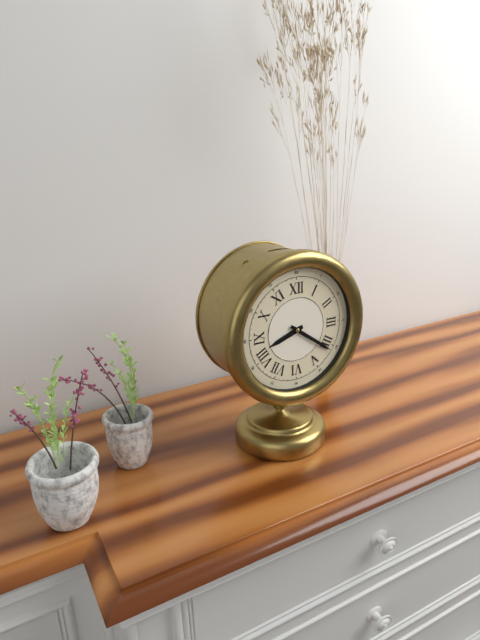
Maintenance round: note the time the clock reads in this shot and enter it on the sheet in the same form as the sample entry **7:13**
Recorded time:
**8:21**
